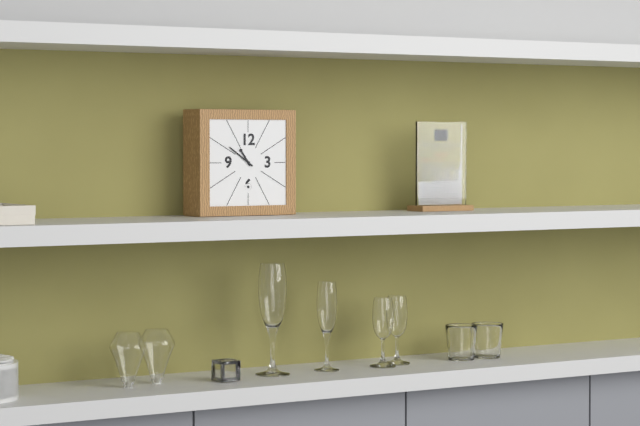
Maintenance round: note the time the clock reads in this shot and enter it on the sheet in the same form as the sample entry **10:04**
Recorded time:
**10:51**
